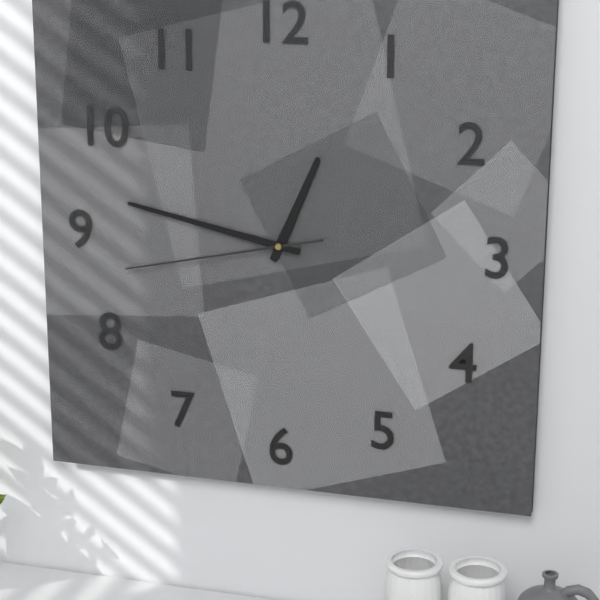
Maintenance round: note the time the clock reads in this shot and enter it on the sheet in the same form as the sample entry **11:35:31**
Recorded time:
**12:47:43**
